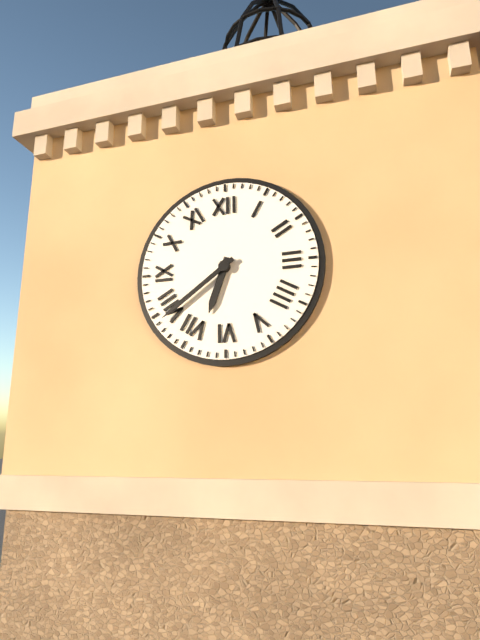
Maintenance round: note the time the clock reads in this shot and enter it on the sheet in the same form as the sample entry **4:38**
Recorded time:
**6:39**
